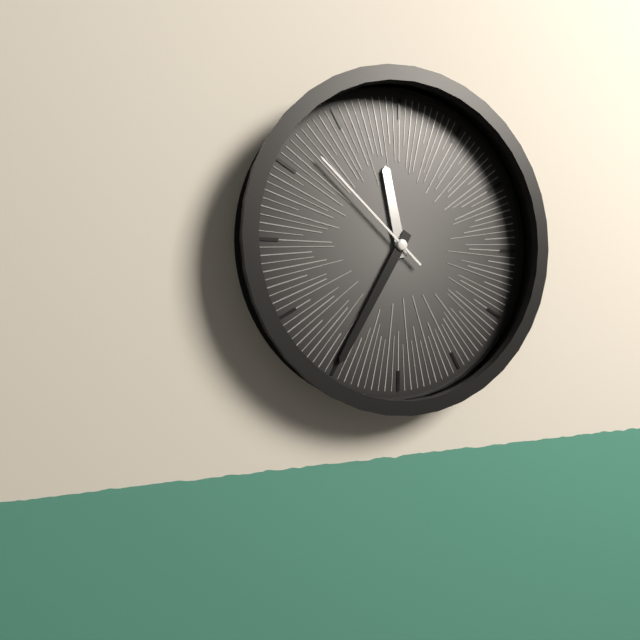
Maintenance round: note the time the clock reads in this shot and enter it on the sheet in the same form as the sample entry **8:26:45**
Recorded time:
**11:35:52**
